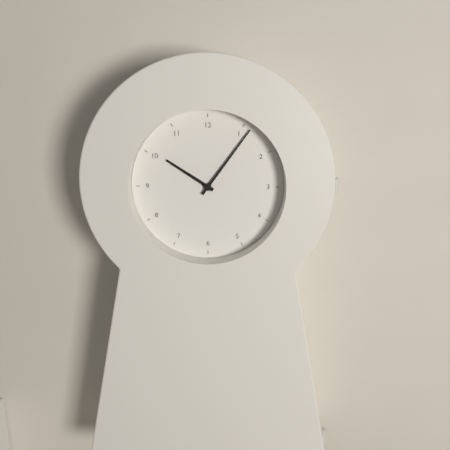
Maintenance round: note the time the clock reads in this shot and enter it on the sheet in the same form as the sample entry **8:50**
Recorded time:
**10:06**
